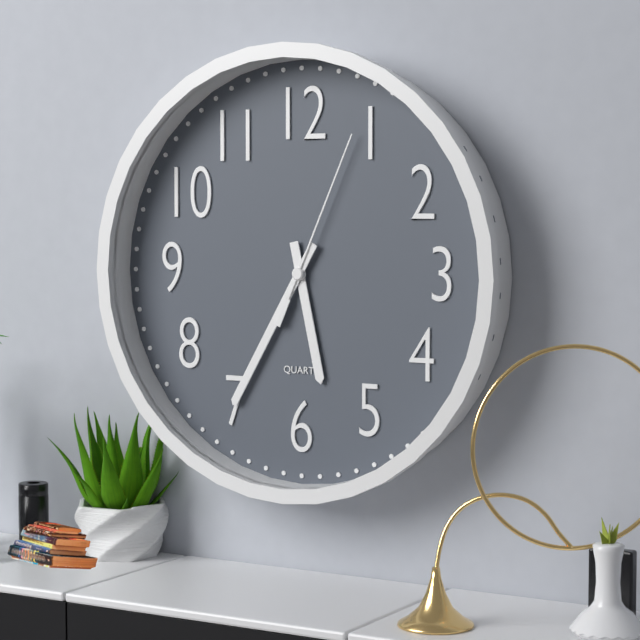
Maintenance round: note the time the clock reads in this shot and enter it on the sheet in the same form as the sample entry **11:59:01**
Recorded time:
**5:35:04**
